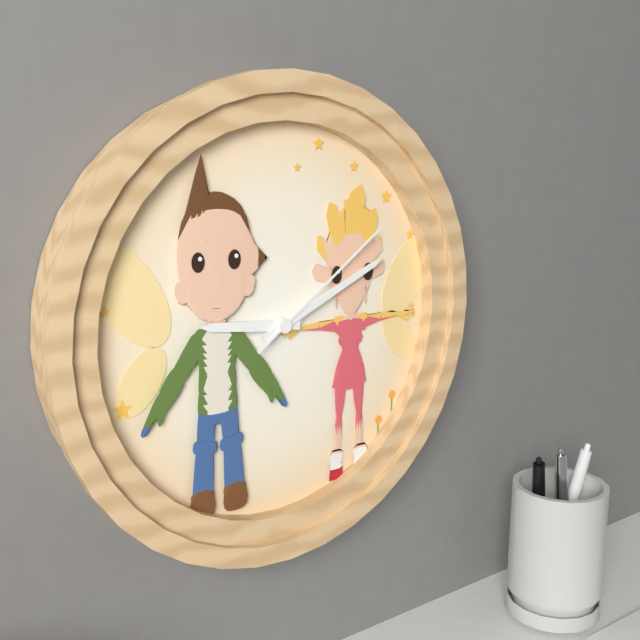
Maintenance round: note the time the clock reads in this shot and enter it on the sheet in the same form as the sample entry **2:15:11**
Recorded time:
**9:11:09**
